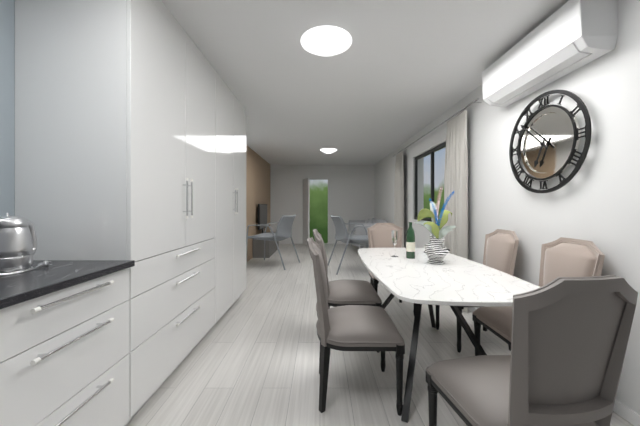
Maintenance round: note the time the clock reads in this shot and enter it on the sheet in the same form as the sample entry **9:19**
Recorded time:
**6:52**
